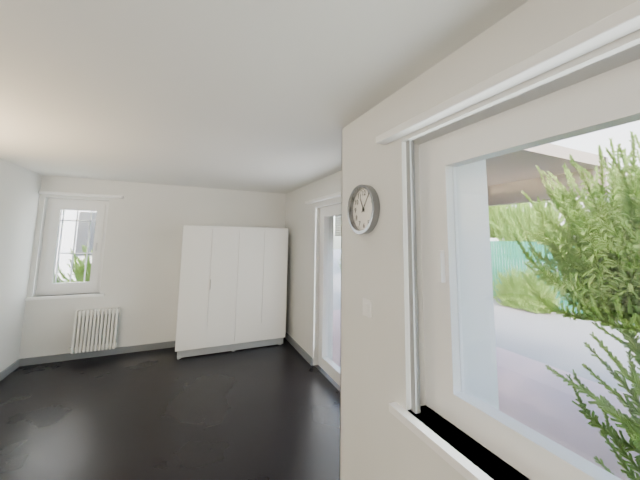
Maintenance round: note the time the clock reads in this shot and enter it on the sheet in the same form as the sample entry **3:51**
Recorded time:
**11:06**
